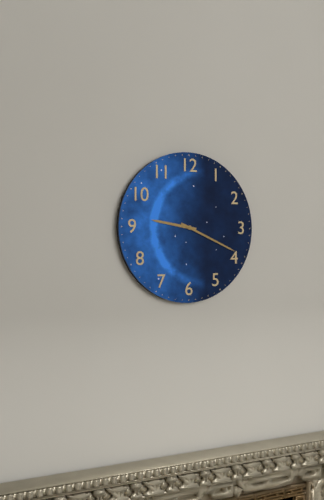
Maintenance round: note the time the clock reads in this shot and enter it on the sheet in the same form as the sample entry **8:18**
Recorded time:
**9:19**
